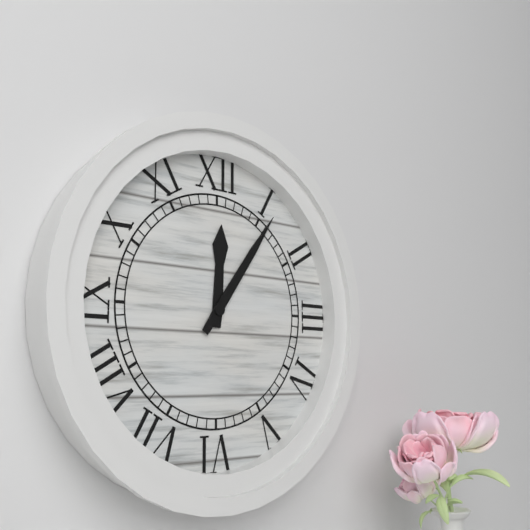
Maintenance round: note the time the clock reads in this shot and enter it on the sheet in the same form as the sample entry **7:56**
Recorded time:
**12:06**
